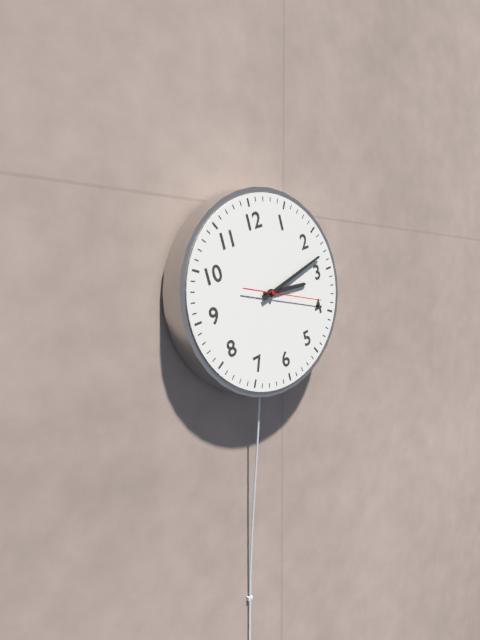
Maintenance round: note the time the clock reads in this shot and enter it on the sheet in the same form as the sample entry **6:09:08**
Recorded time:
**3:13:19**
